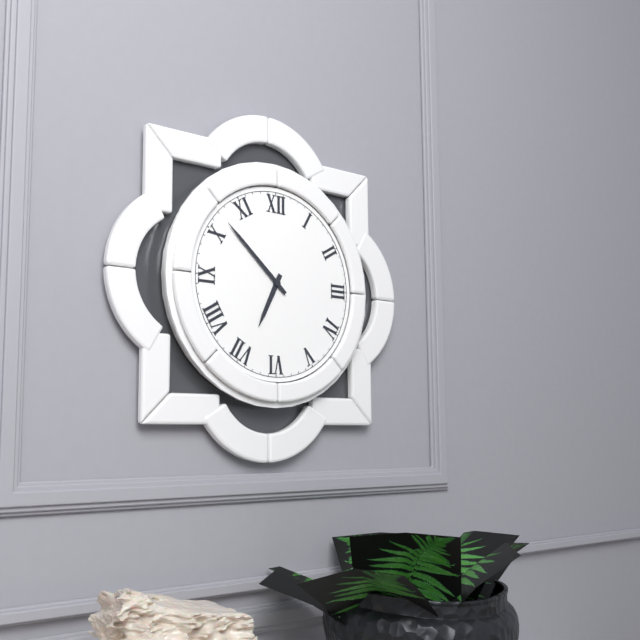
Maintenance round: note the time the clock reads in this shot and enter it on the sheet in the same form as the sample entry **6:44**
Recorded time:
**6:52**
